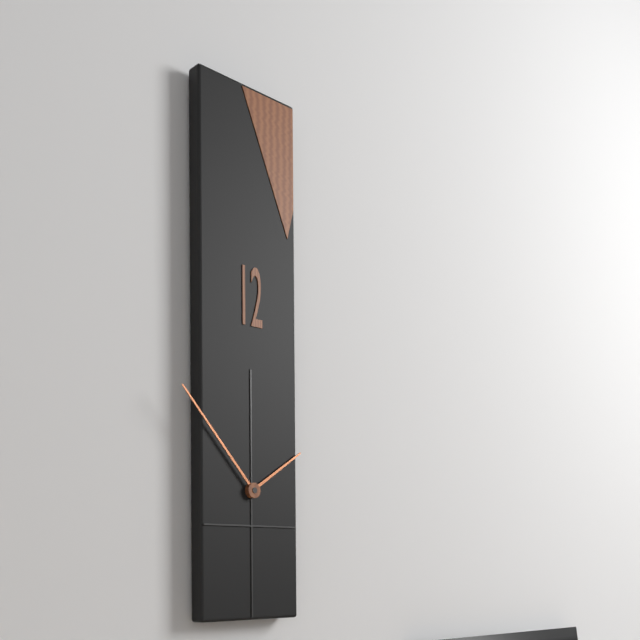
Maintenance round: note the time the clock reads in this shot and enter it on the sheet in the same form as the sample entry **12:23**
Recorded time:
**1:53**
